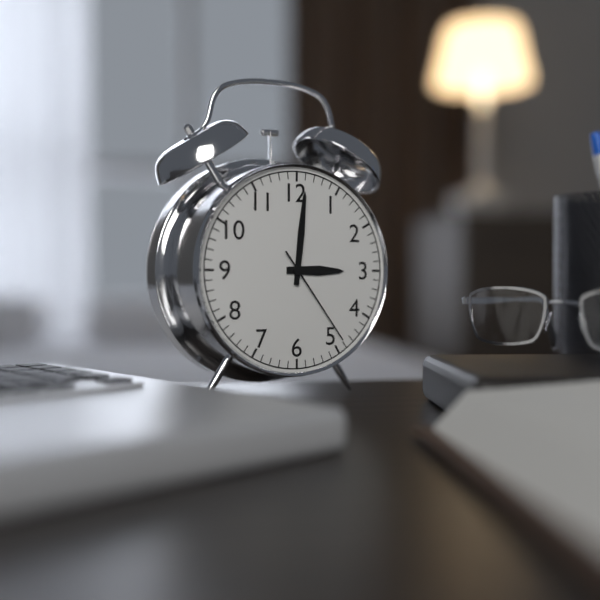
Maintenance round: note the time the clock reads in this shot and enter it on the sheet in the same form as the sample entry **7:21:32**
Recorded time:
**3:01:24**
